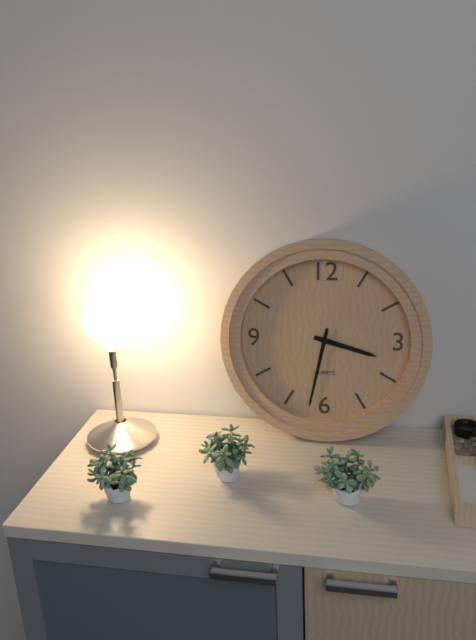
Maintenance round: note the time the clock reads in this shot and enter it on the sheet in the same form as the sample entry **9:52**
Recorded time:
**3:32**
